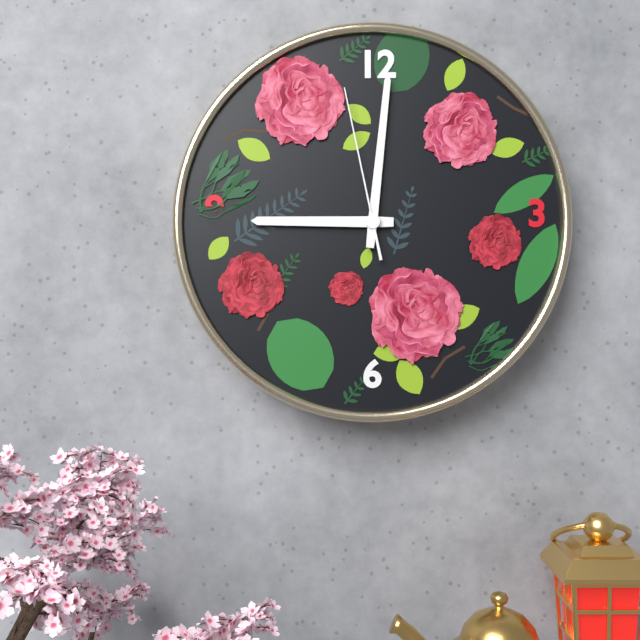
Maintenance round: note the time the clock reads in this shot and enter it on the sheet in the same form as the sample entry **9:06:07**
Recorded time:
**9:01:58**
